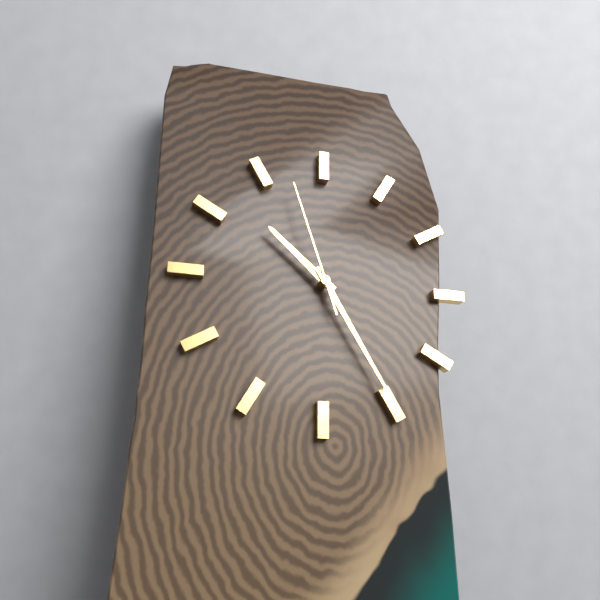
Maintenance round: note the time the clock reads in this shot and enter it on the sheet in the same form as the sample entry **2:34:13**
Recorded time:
**10:25:57**
